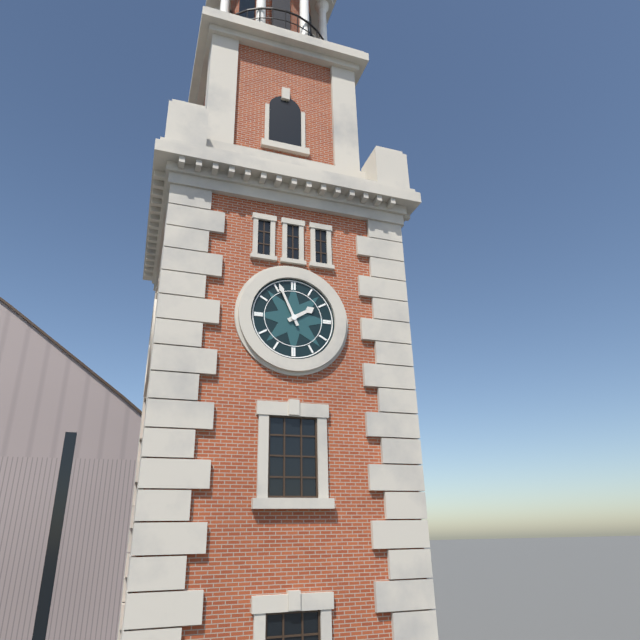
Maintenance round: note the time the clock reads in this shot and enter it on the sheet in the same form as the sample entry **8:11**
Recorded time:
**1:56**
